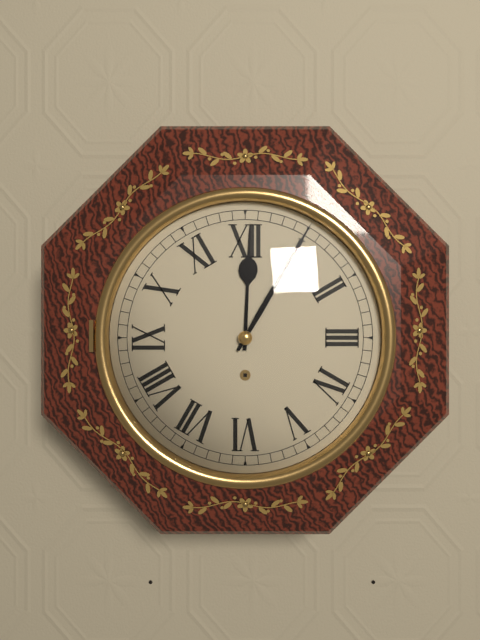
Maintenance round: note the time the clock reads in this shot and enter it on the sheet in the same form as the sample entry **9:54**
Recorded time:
**12:05**
